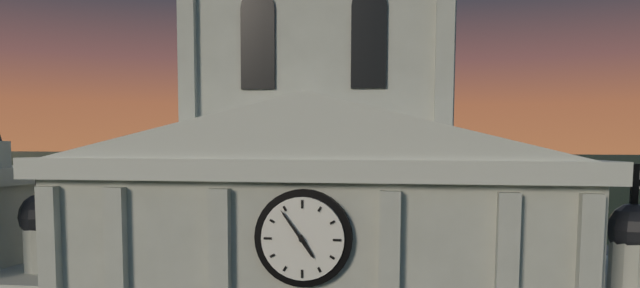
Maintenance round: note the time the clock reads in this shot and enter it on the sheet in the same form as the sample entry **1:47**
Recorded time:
**4:54**
